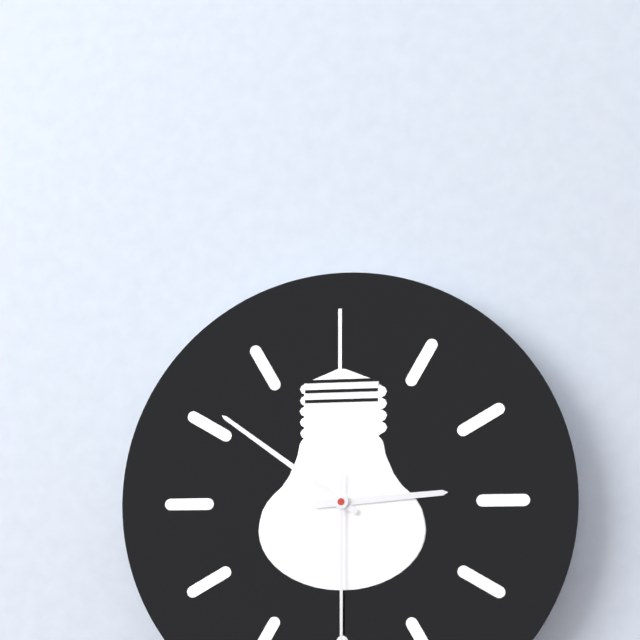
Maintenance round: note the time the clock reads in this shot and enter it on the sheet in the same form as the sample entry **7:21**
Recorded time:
**2:51**
